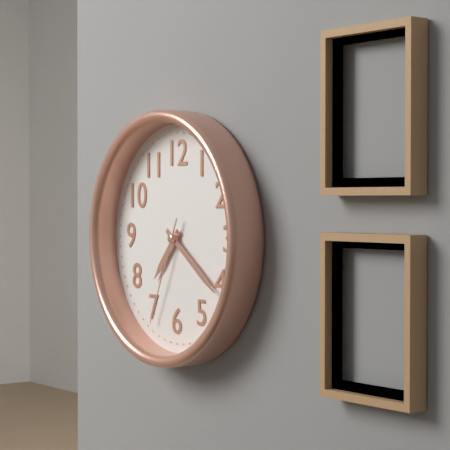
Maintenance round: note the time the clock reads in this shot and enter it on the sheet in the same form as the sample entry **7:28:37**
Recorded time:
**7:21:34**
